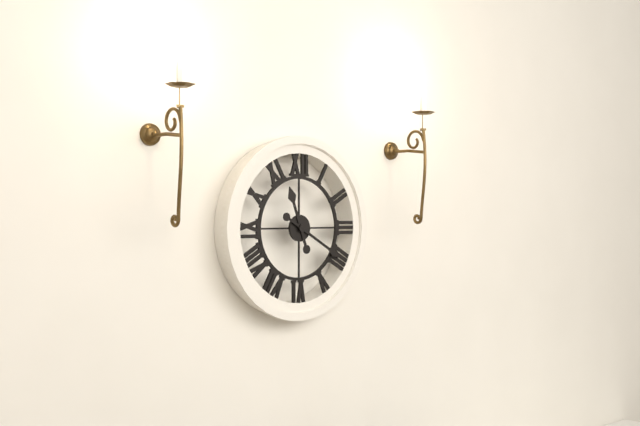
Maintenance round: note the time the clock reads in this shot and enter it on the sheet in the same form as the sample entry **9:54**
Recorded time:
**11:20**
